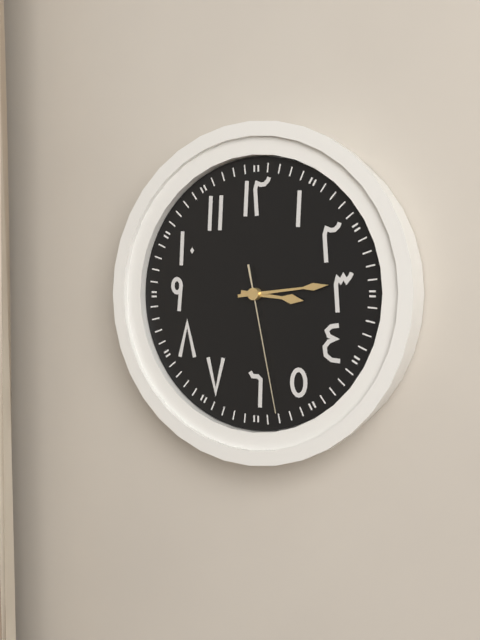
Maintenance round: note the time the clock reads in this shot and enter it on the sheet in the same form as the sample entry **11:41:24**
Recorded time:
**3:14:28**
